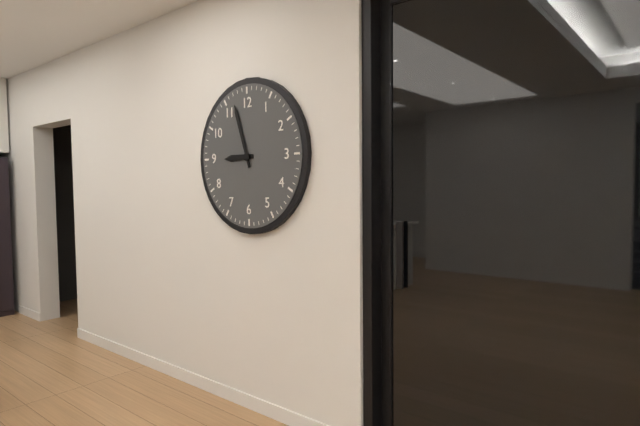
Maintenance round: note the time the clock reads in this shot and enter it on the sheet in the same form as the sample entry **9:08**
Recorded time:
**8:57**
